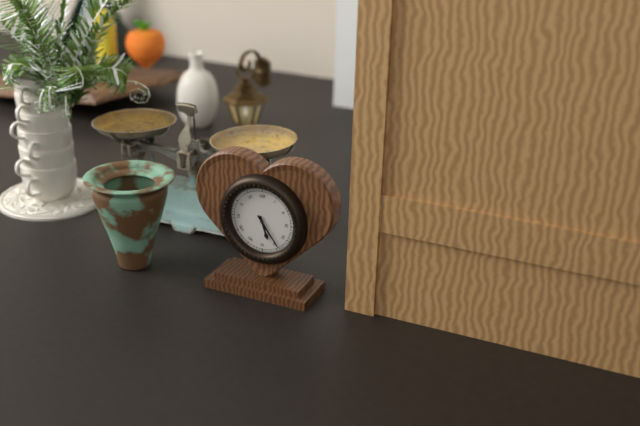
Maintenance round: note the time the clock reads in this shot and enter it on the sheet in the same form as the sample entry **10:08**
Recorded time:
**5:24**
